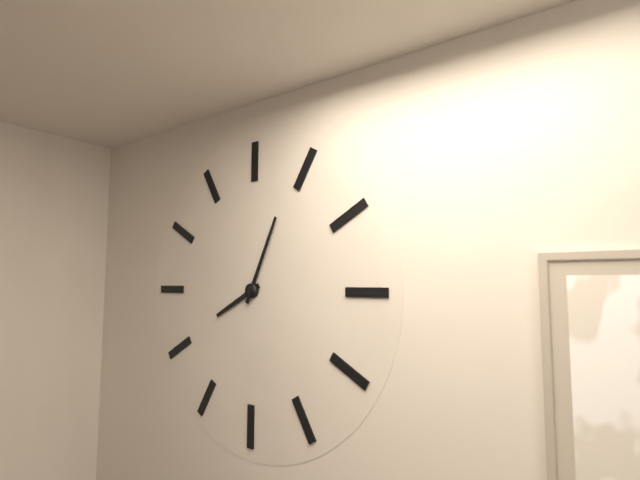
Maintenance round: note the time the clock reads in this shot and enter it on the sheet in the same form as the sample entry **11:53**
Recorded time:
**8:04**
